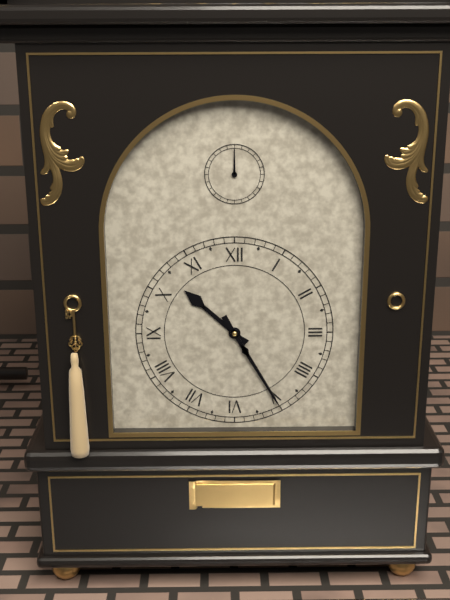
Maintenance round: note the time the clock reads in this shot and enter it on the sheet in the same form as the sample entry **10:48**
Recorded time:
**10:25**
